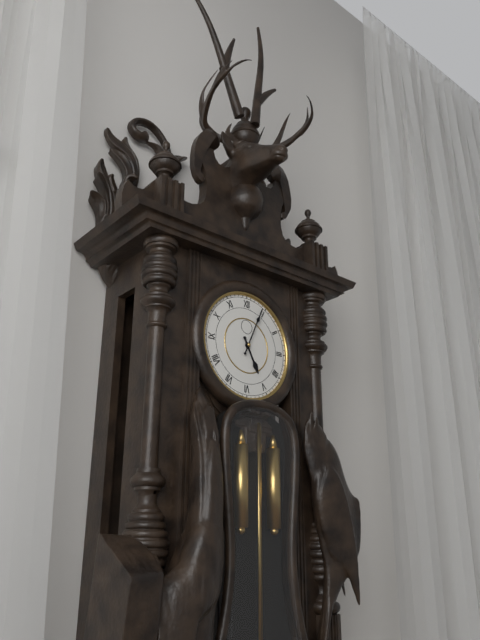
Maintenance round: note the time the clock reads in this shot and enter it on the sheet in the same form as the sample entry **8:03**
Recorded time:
**5:04**
